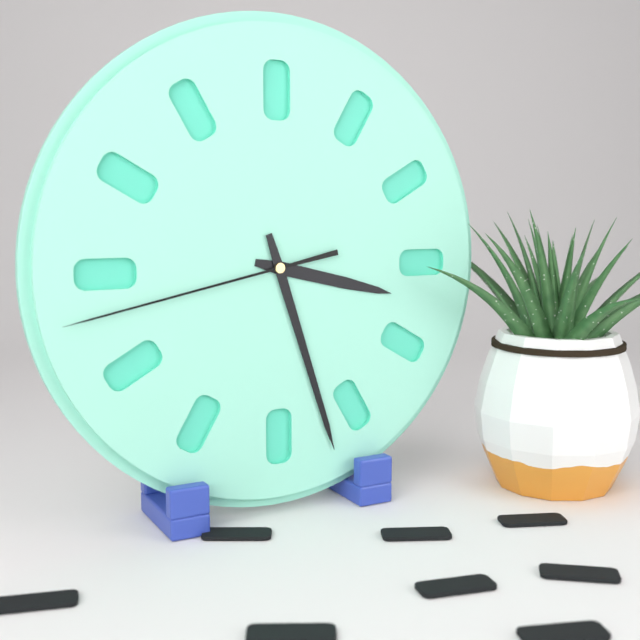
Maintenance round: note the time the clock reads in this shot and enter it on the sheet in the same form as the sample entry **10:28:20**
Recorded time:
**3:27:43**
